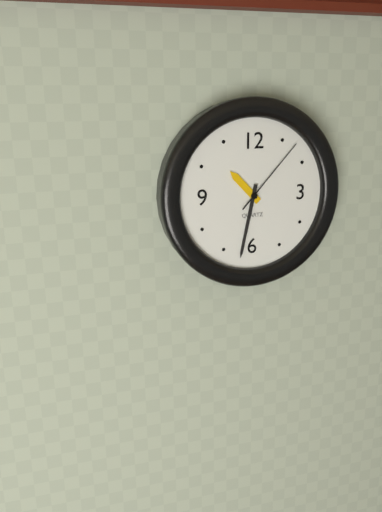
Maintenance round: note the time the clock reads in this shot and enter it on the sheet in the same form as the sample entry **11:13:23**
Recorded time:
**10:32:07**
